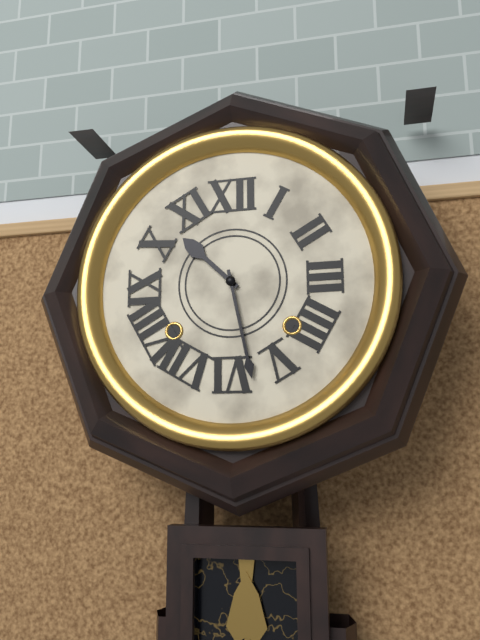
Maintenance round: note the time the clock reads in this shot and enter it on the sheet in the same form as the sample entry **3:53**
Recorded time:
**10:28**
